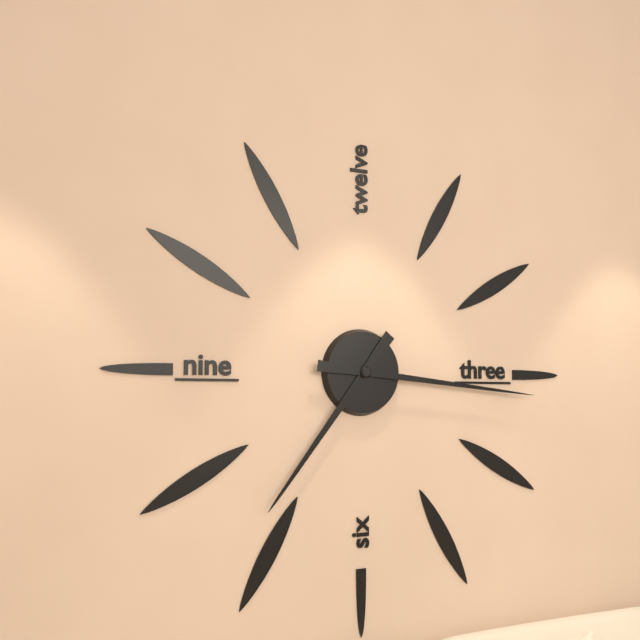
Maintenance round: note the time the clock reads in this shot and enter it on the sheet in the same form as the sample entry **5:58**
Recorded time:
**7:16**
